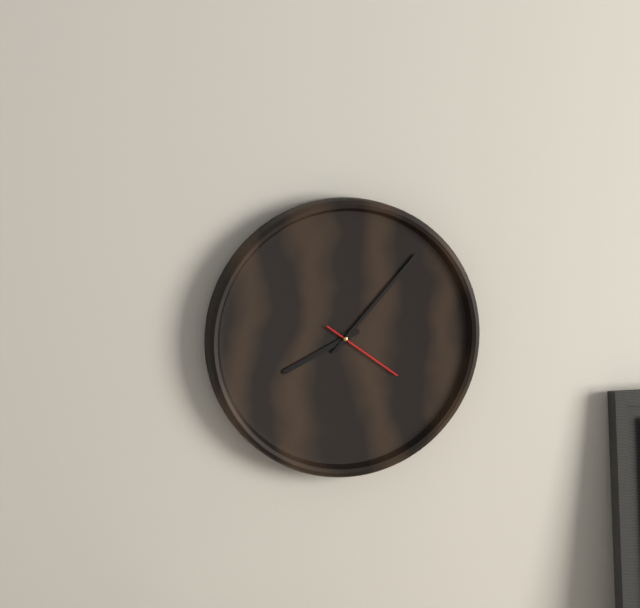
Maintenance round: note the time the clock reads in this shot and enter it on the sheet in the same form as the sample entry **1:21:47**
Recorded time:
**8:07:21**
